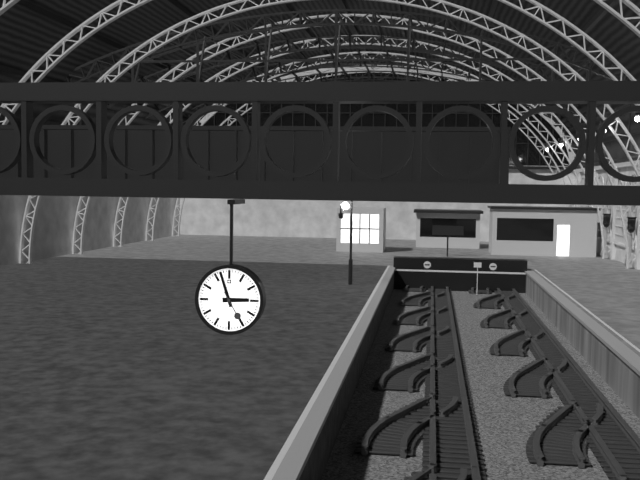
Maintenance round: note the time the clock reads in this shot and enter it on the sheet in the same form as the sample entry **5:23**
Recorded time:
**2:57**
